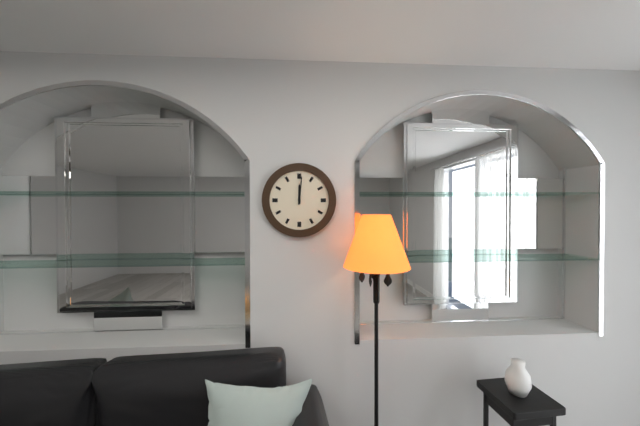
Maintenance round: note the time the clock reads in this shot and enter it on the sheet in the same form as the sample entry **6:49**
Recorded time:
**12:01**
